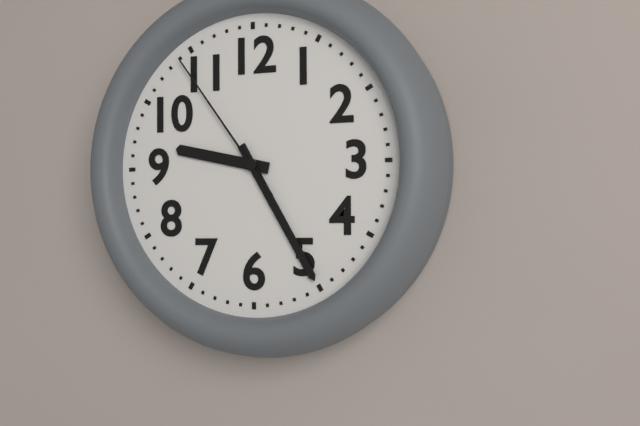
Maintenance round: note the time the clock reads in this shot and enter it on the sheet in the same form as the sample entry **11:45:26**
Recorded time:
**9:25:54**
